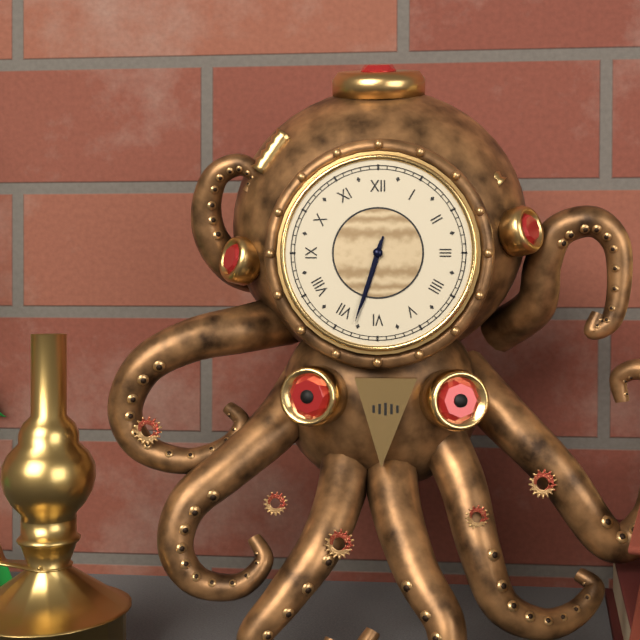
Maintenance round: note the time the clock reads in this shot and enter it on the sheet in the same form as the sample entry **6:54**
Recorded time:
**6:33**
